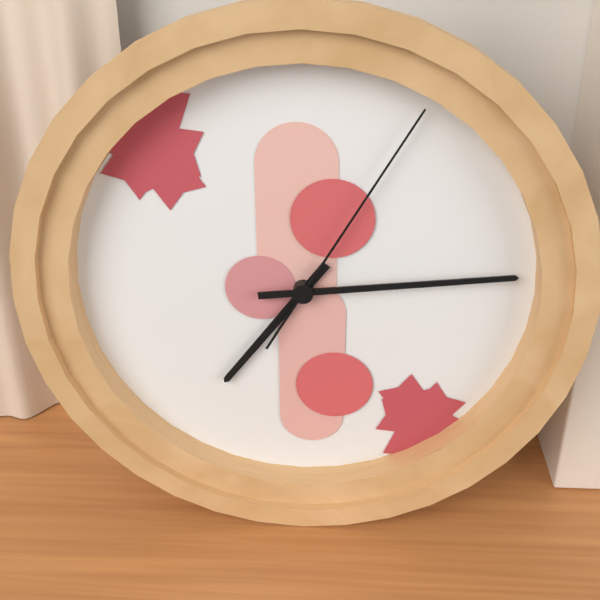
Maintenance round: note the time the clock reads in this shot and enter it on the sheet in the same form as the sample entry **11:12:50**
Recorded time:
**7:14:05**
